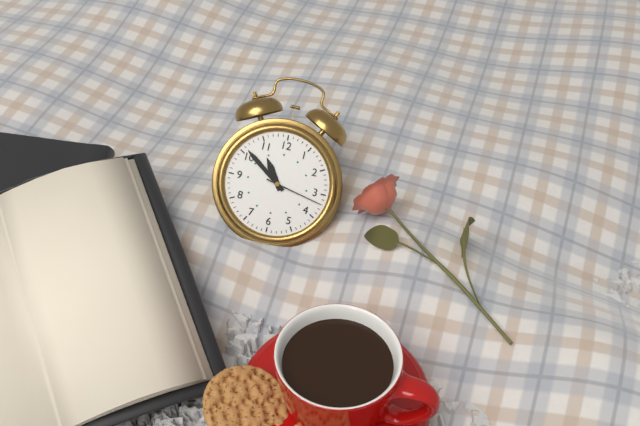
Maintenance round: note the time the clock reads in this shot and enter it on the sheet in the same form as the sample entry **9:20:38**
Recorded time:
**10:51:17**
